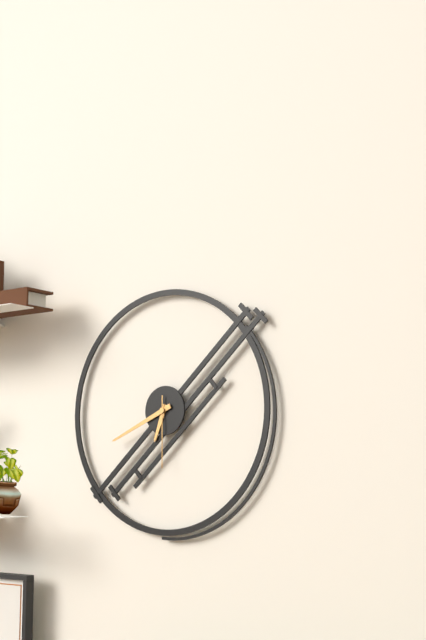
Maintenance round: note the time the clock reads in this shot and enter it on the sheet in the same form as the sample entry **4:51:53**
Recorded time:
**6:41:30**
